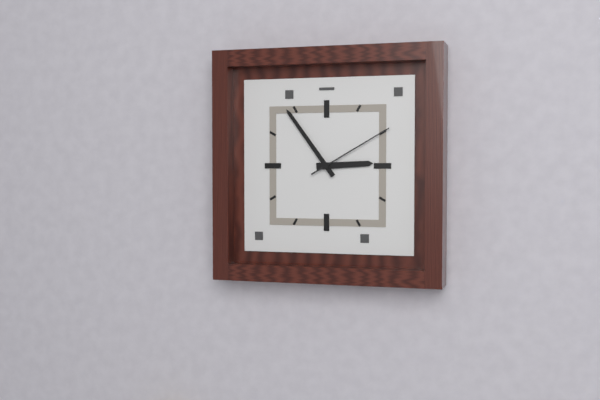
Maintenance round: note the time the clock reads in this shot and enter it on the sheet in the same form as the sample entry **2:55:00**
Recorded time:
**2:54:10**
